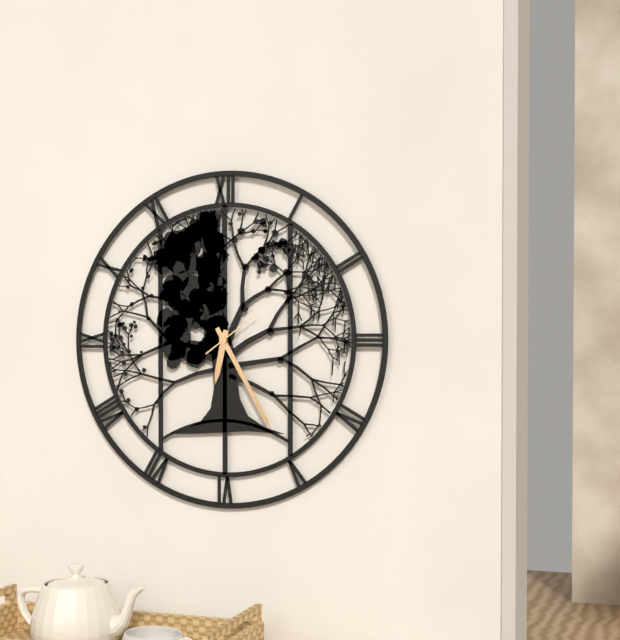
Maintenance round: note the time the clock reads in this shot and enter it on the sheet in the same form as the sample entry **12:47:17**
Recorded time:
**6:25:09**
